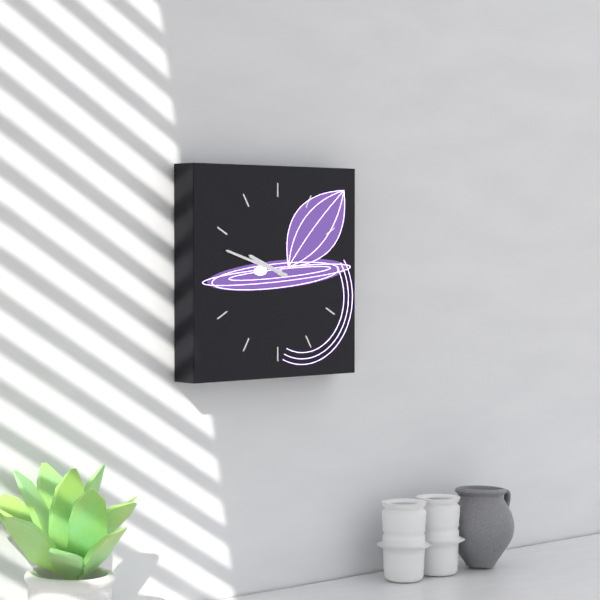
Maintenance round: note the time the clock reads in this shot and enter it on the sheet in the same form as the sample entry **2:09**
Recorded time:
**9:48**
